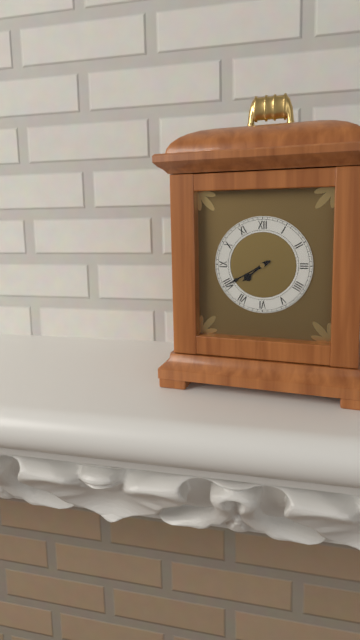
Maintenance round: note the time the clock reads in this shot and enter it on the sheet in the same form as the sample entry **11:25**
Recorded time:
**7:40**
